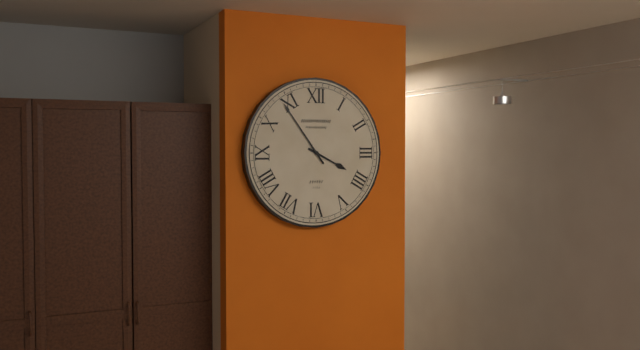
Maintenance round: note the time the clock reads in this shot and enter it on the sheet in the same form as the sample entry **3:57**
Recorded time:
**3:54**
